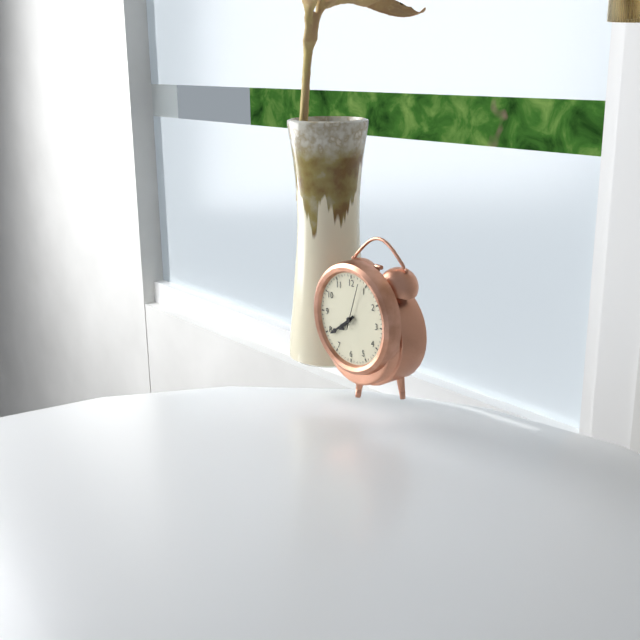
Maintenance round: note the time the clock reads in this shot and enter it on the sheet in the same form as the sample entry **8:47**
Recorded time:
**7:39**
